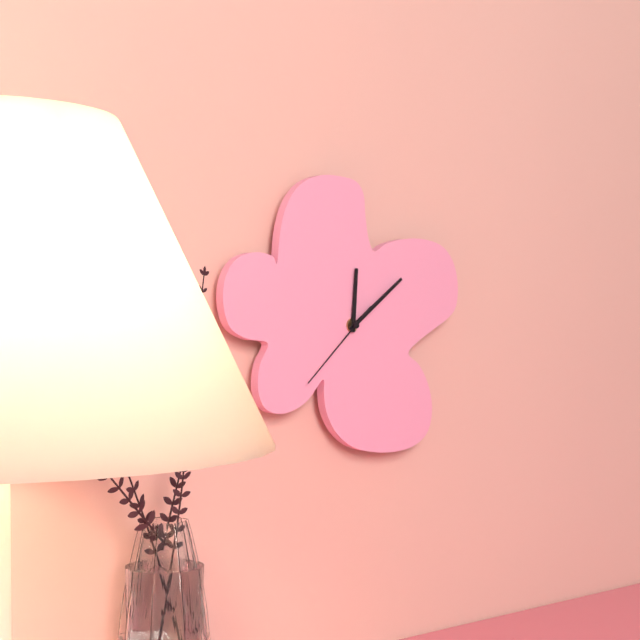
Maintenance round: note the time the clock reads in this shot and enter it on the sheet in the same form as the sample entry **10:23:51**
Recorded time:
**12:09:38**
